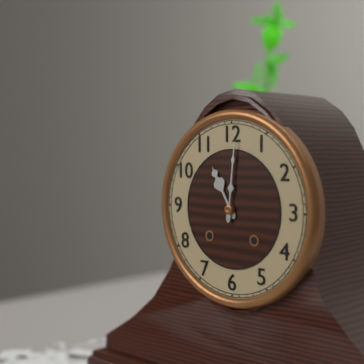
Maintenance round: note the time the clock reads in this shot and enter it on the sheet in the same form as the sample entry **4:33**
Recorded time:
**11:01**
